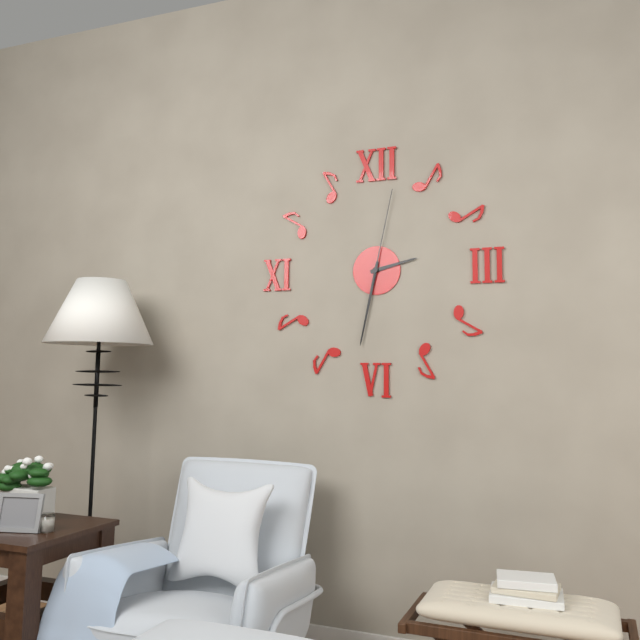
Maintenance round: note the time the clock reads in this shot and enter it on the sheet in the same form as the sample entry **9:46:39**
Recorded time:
**2:32:02**
